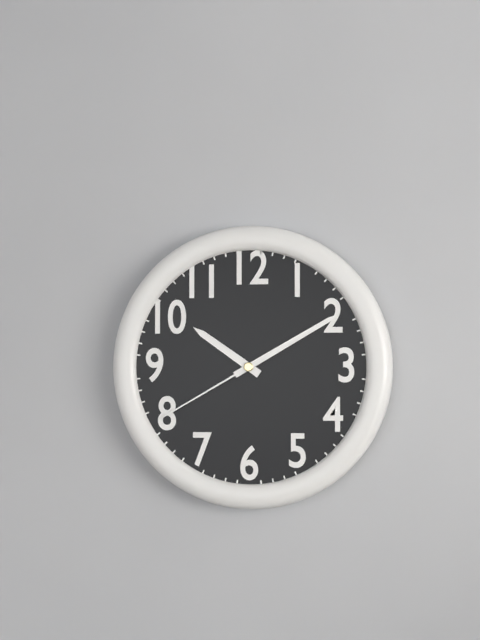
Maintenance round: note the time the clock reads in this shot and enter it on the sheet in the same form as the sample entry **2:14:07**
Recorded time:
**10:10:40**
